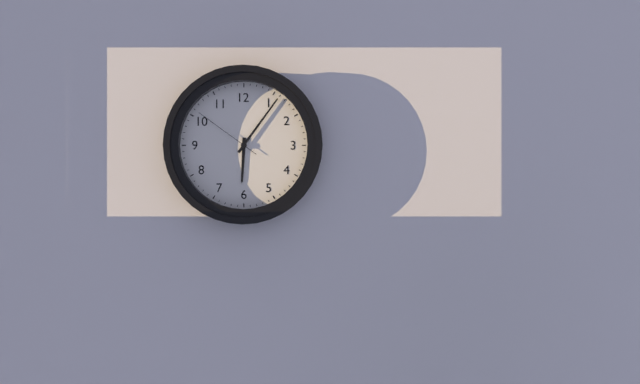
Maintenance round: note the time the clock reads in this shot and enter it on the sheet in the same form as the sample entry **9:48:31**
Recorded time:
**6:06:51**
